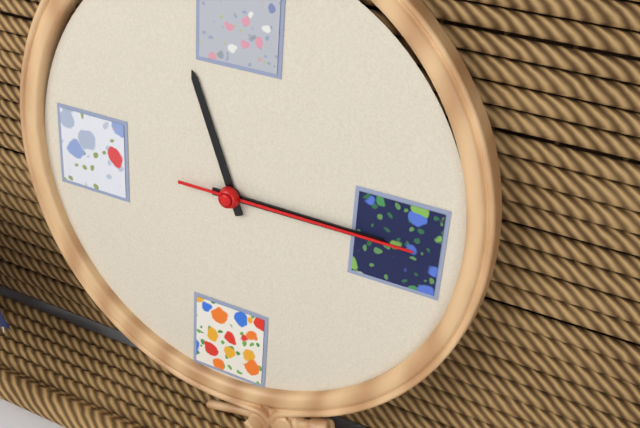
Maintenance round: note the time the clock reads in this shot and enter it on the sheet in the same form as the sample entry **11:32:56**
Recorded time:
**11:15:15**
